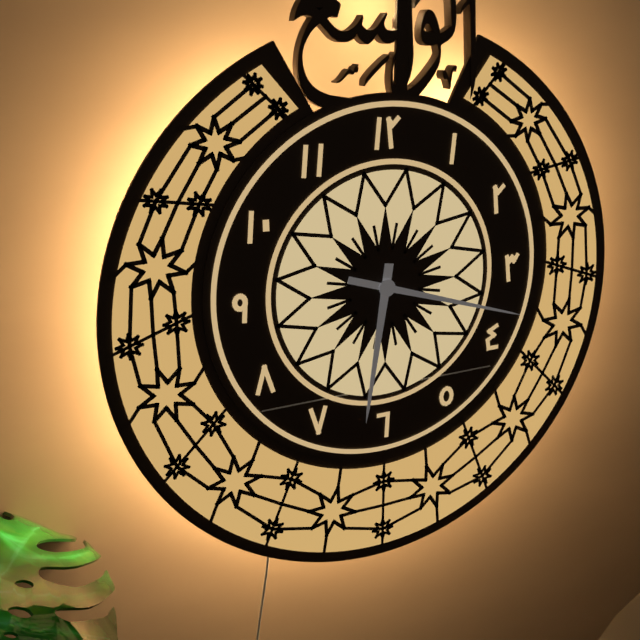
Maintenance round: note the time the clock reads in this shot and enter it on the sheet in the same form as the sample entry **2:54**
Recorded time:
**6:18**
